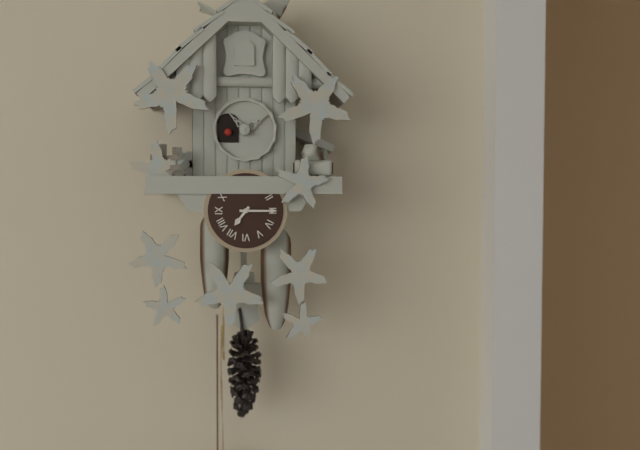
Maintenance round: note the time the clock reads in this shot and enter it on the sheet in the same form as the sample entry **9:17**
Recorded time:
**7:15**
